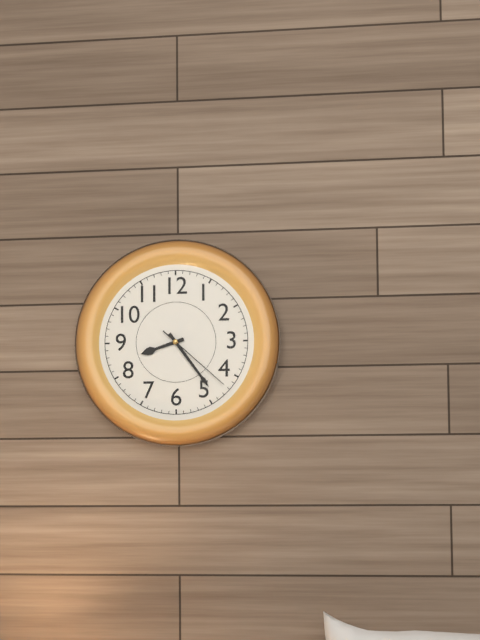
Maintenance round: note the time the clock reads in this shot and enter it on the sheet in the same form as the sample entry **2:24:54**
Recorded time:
**8:24:22**
